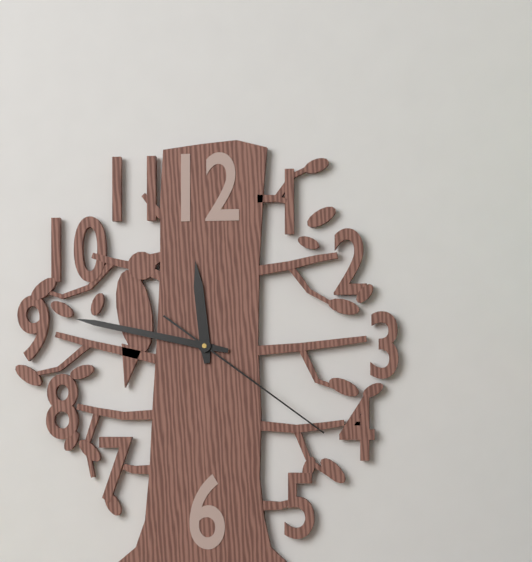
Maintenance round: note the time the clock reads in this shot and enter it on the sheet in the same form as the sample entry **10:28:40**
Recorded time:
**11:47:21**
